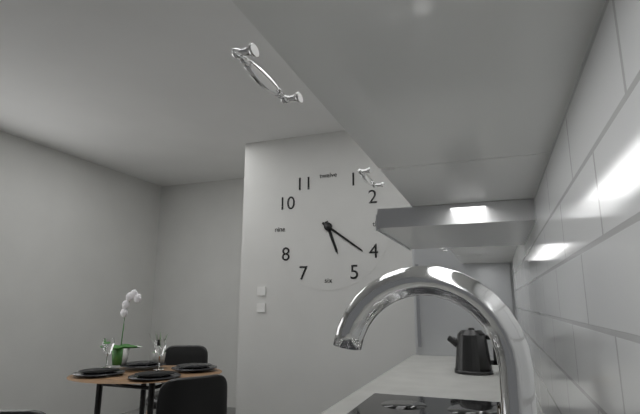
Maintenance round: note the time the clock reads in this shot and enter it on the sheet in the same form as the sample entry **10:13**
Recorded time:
**5:21**
